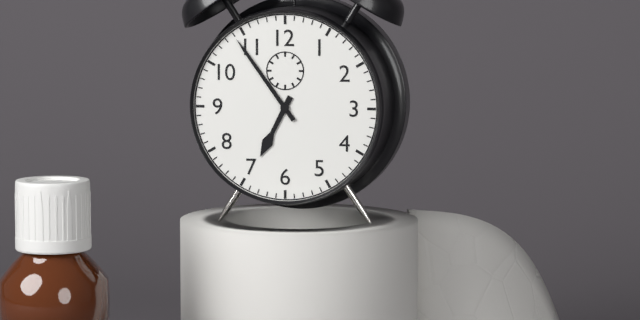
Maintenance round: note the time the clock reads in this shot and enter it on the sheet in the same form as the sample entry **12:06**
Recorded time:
**6:54**
